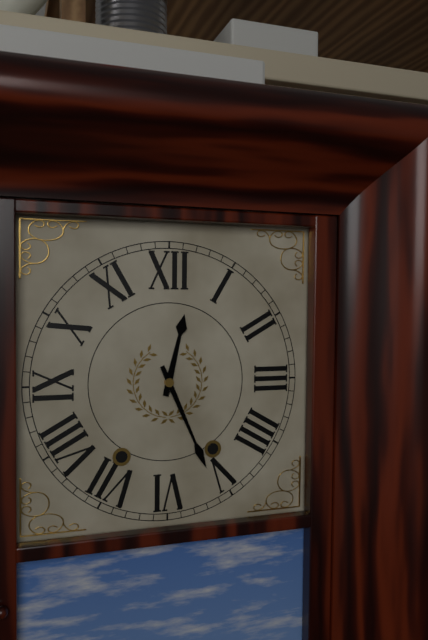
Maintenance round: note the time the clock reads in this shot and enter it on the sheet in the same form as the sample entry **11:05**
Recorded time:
**12:26**
